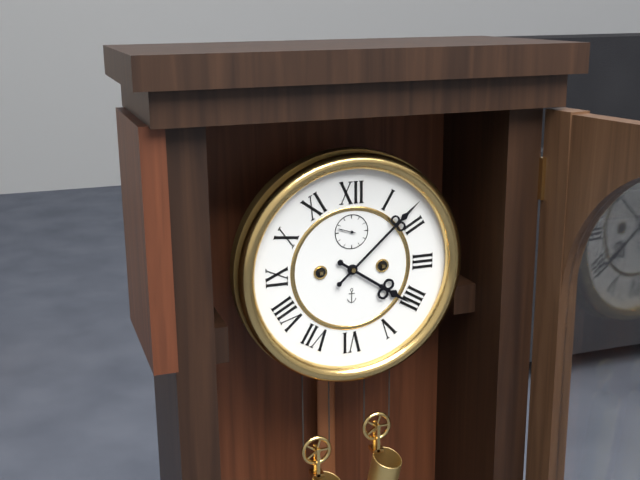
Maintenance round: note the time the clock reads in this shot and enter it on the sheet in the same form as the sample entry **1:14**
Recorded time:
**4:08**
